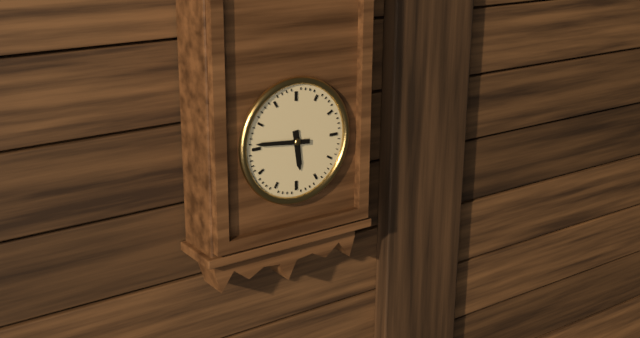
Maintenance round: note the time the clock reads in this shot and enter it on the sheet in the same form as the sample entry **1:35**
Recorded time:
**5:46**
